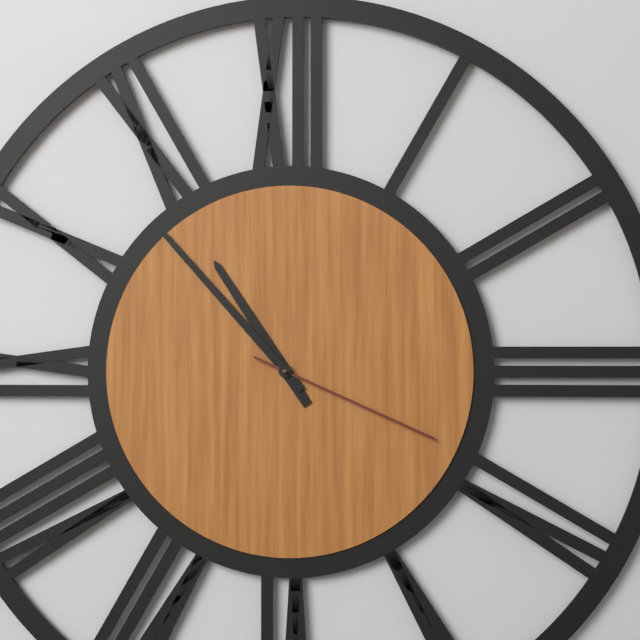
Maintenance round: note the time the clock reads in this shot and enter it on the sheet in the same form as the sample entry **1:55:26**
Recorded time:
**10:53:19**
